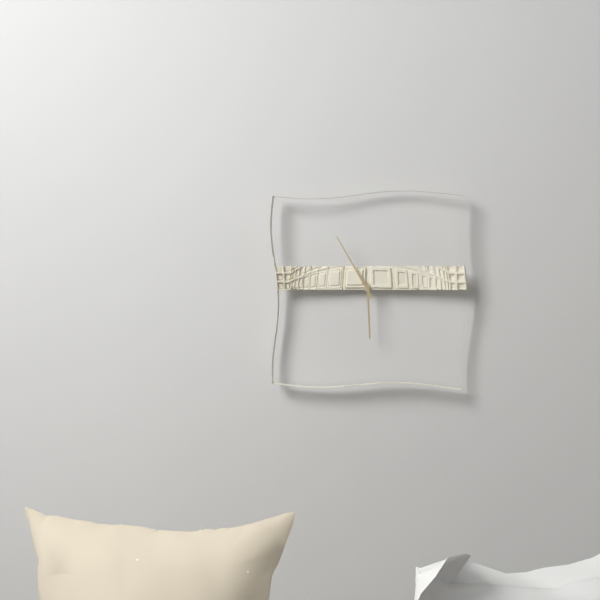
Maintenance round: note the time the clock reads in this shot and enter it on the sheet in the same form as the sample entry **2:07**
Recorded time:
**5:55**
